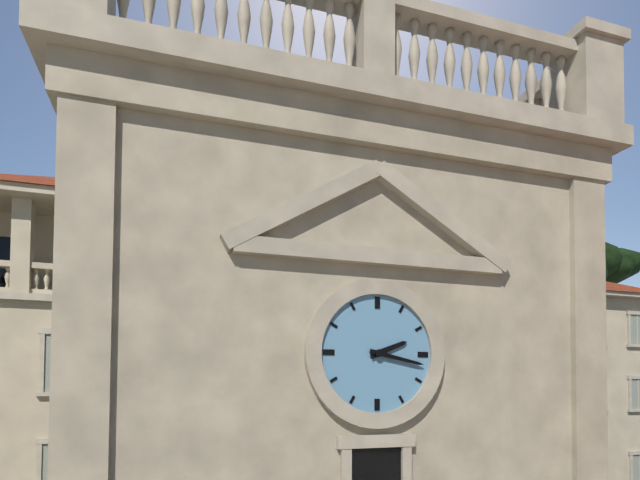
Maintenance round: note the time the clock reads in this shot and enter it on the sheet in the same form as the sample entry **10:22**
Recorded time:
**2:17**
